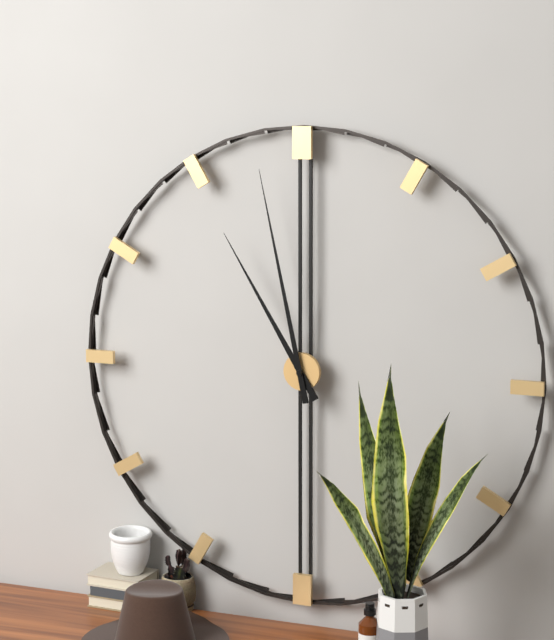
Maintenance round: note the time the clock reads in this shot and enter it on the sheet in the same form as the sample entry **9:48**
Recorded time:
**10:58**
